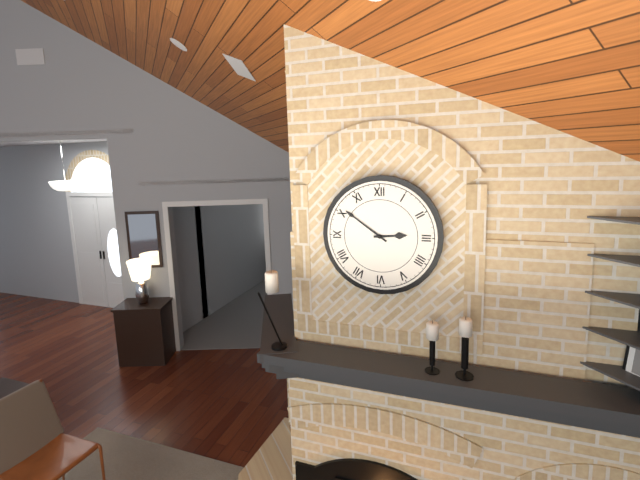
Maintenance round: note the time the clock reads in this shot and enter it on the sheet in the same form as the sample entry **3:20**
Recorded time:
**2:51**
